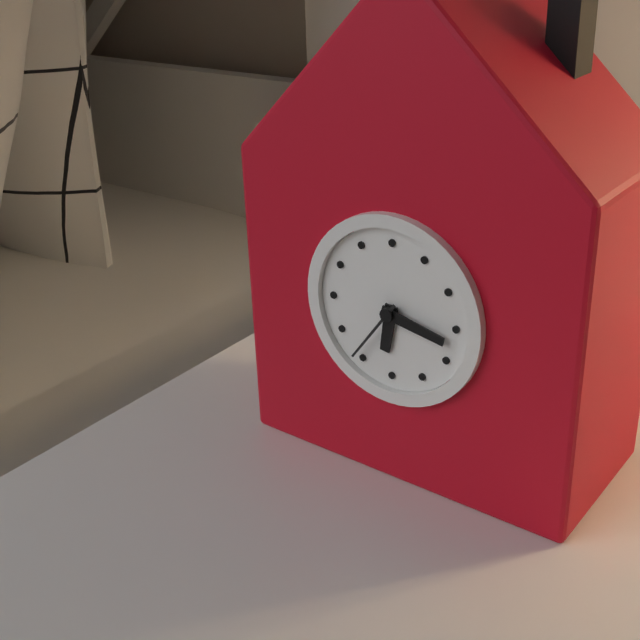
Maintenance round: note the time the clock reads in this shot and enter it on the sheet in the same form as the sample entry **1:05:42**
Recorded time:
**6:17:36**
